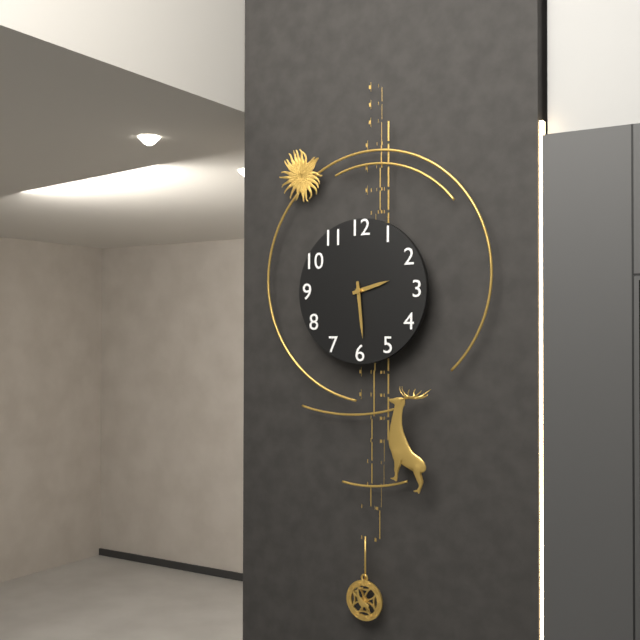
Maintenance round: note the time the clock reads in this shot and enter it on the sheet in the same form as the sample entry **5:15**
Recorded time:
**2:29**
